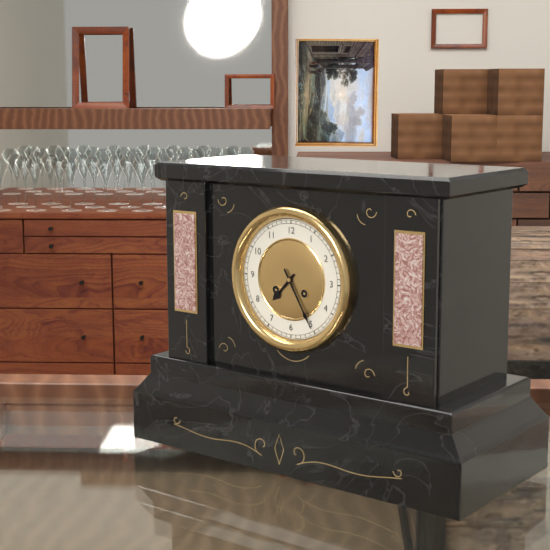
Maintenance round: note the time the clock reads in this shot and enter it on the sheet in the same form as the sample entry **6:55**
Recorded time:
**7:25**
